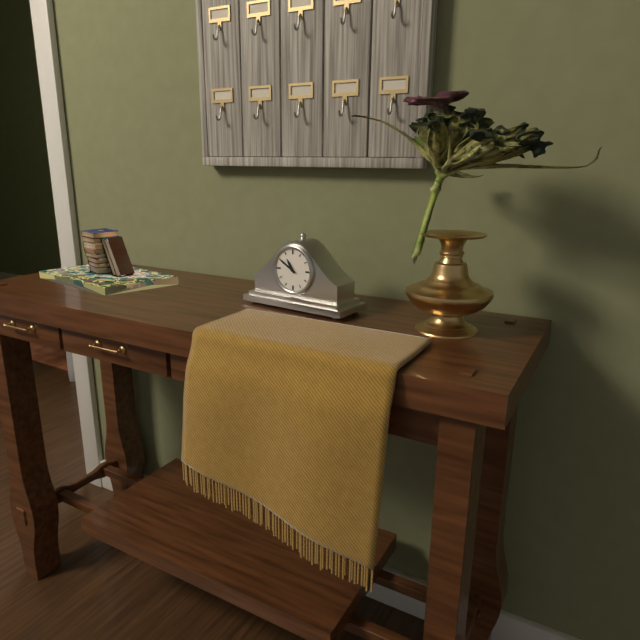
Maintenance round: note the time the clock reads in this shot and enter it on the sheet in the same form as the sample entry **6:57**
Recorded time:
**10:50**
